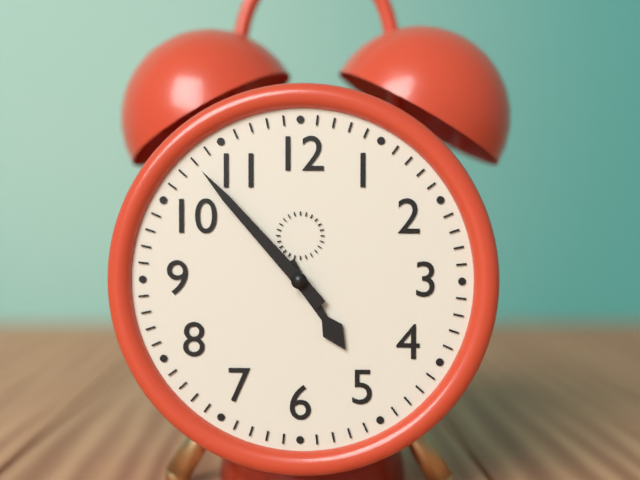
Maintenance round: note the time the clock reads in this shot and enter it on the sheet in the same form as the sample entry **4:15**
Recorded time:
**4:53**
